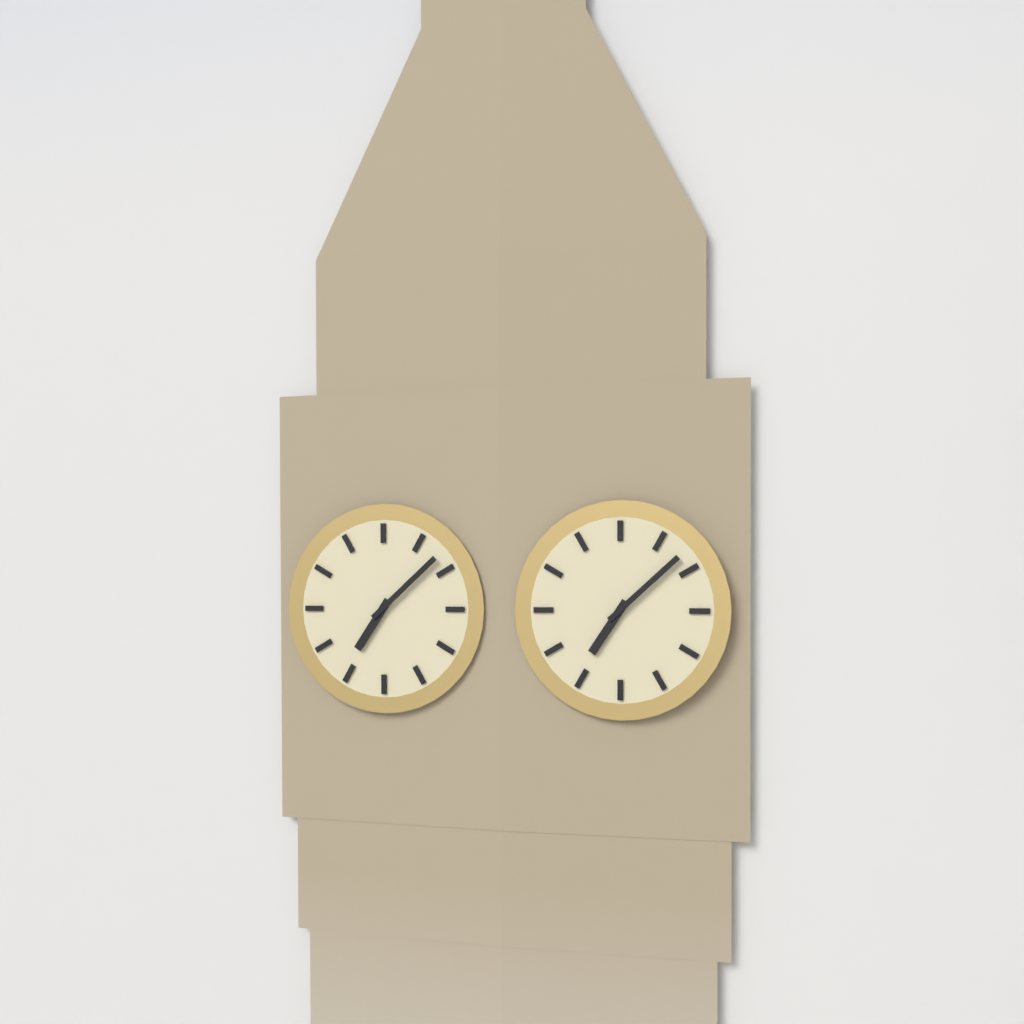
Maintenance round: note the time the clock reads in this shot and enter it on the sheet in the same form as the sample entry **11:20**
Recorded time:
**7:08**
